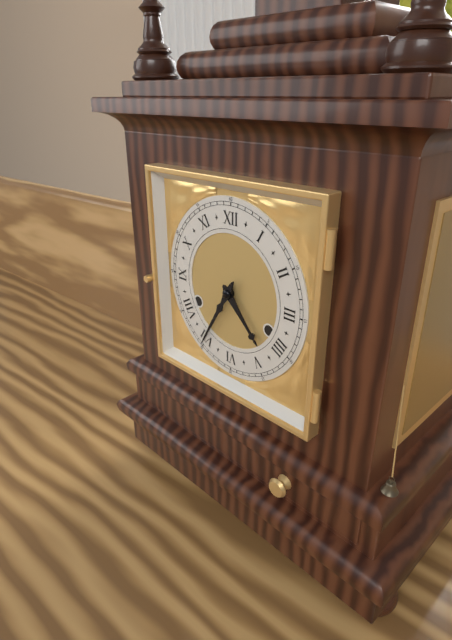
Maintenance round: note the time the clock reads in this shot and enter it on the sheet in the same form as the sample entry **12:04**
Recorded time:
**4:35**
